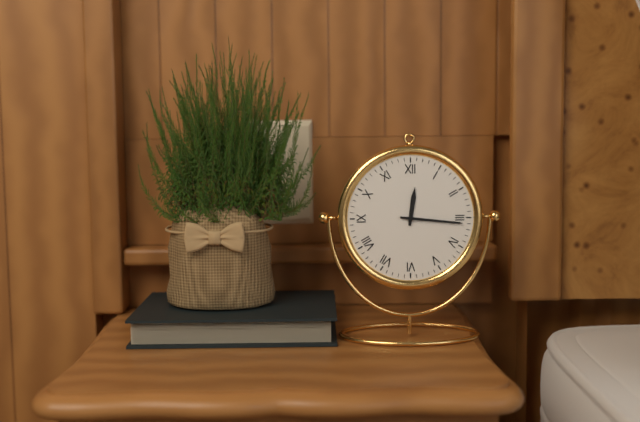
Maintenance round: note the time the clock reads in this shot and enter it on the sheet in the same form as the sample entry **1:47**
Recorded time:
**12:16**
